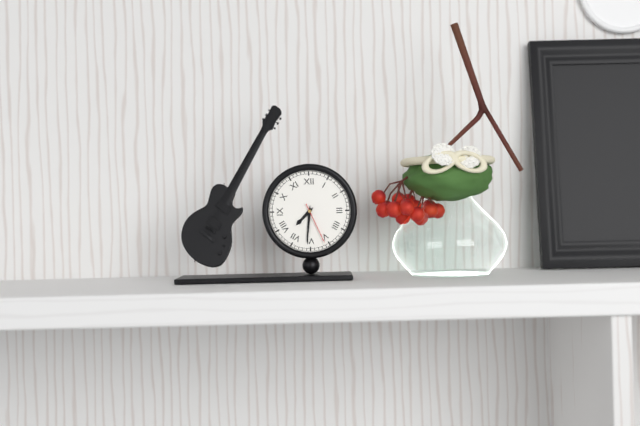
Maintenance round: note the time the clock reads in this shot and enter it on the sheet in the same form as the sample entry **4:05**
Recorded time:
**7:31**
